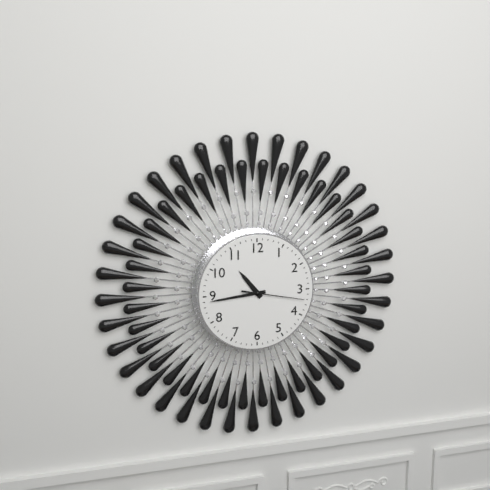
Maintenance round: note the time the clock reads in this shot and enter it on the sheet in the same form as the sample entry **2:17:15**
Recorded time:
**10:44:17**
